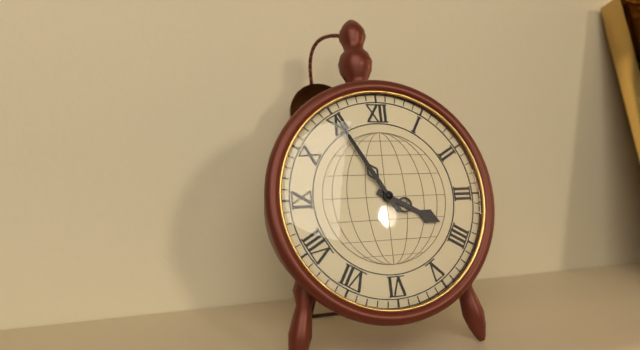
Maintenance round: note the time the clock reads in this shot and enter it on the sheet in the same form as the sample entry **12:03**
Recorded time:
**3:55**
